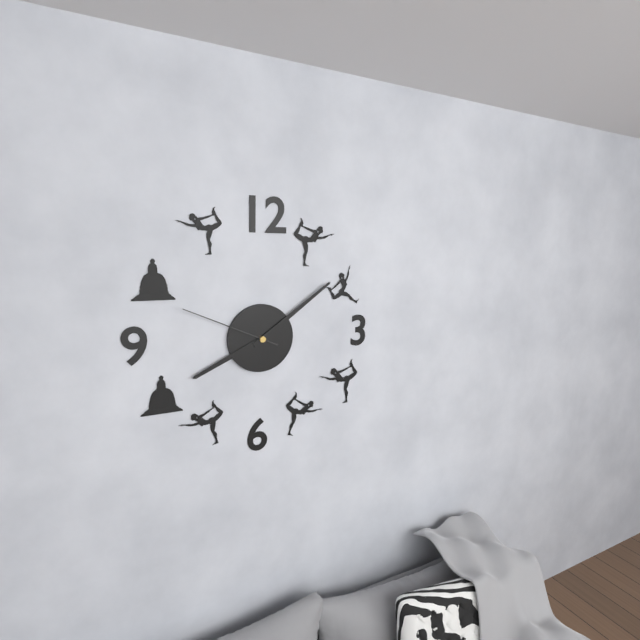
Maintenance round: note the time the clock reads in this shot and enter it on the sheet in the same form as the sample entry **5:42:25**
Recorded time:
**8:09:49**
